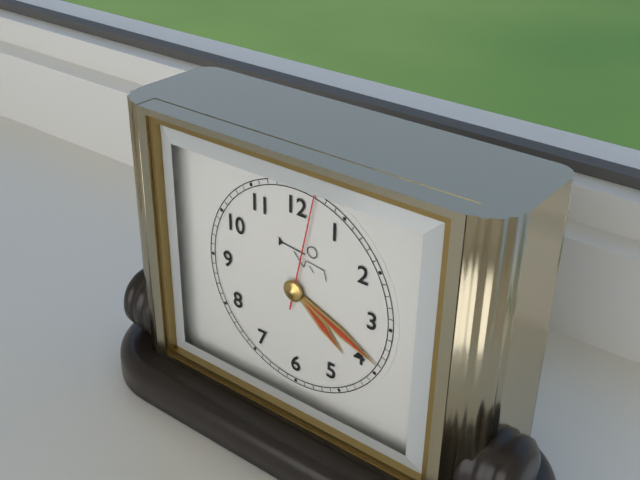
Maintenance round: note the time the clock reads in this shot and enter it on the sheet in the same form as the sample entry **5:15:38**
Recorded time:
**4:19:02**
